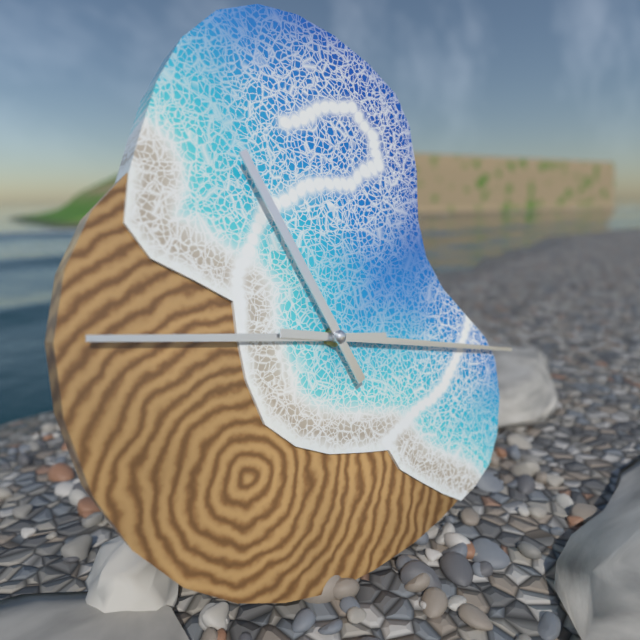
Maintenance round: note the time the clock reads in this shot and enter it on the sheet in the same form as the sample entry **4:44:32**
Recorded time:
**9:17:56**
